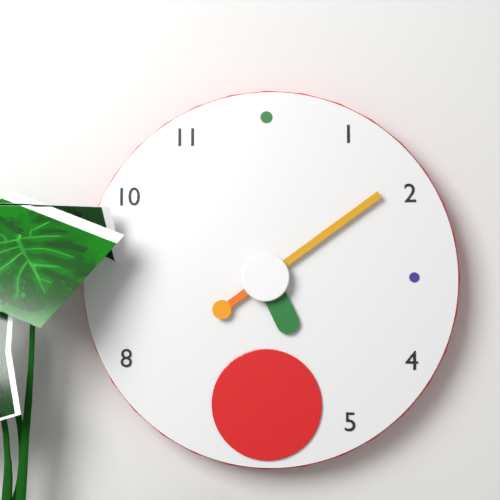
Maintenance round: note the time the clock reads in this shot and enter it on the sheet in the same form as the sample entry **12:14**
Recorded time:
**5:09**
